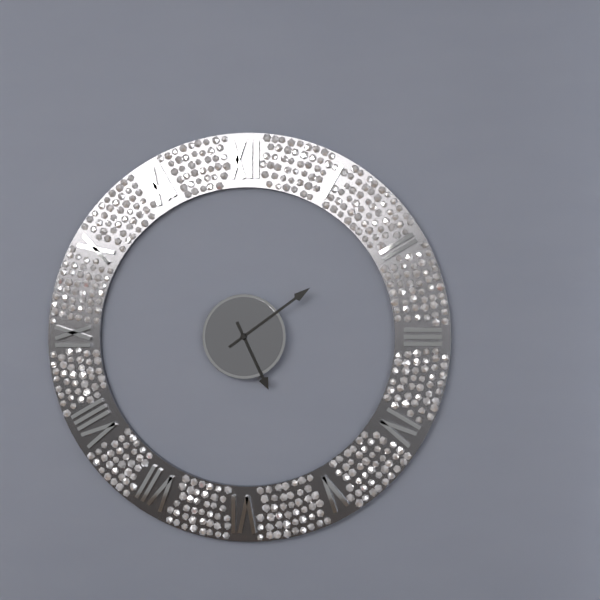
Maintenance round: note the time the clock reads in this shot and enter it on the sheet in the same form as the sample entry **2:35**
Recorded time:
**5:09**
